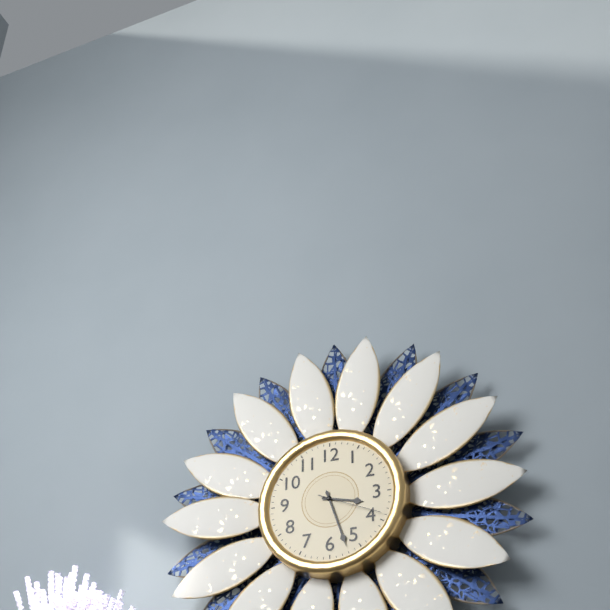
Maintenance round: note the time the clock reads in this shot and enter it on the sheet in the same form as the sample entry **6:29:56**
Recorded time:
**3:27:19**
